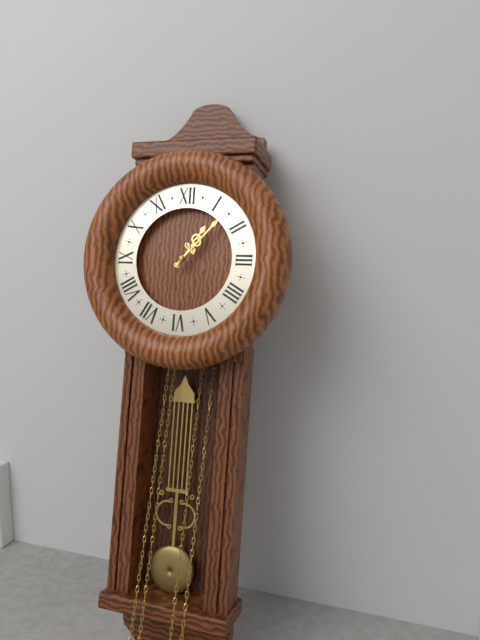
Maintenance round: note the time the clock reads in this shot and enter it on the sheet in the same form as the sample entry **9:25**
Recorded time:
**1:07**
